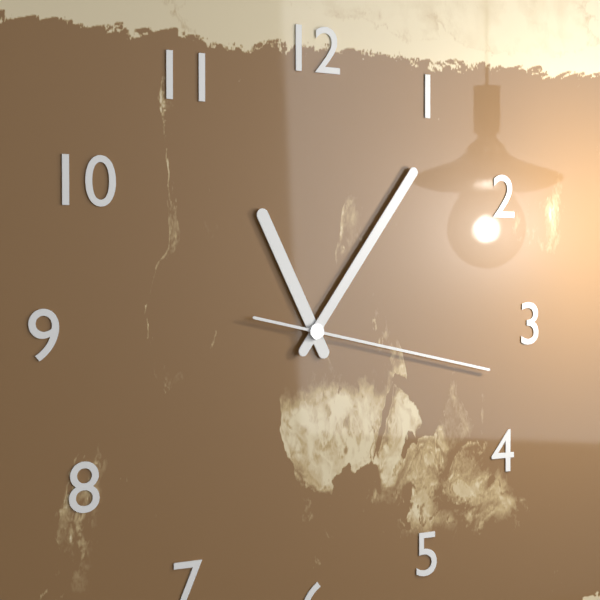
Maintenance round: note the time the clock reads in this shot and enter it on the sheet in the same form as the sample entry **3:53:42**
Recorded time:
**11:06:17**
